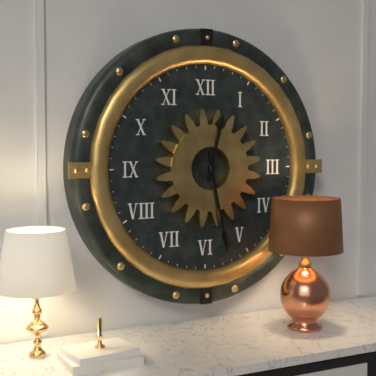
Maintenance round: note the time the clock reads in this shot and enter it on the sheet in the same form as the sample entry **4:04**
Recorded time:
**12:28**
